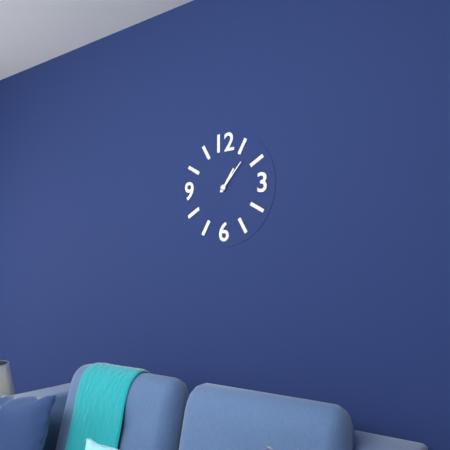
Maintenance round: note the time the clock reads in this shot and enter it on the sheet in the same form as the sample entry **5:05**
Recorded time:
**1:07**
